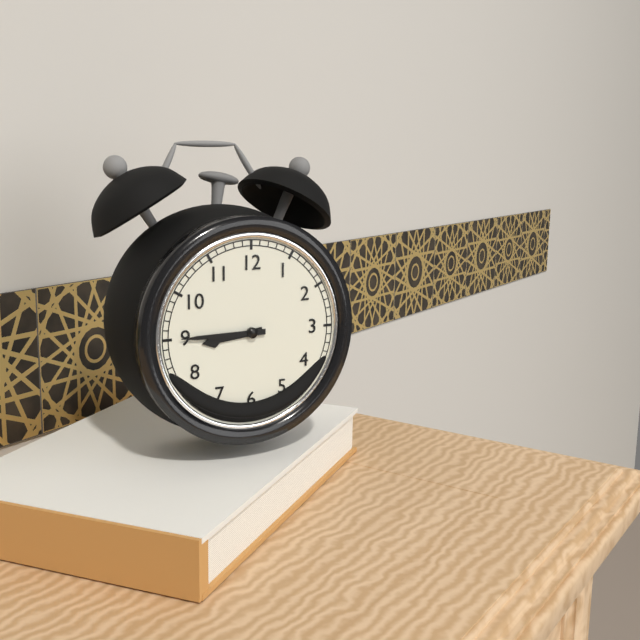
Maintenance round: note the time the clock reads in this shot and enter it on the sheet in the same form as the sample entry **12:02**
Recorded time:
**8:45**
